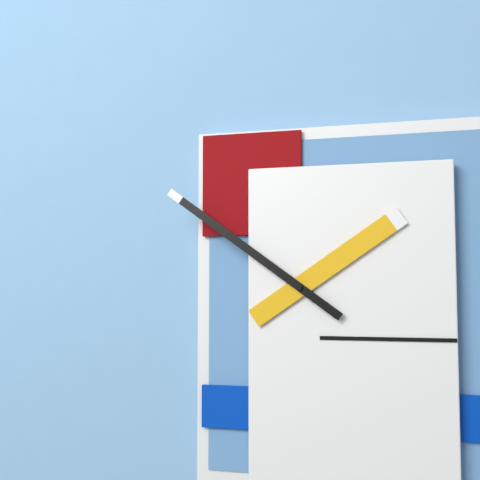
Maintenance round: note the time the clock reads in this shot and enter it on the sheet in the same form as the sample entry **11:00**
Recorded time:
**1:51**
